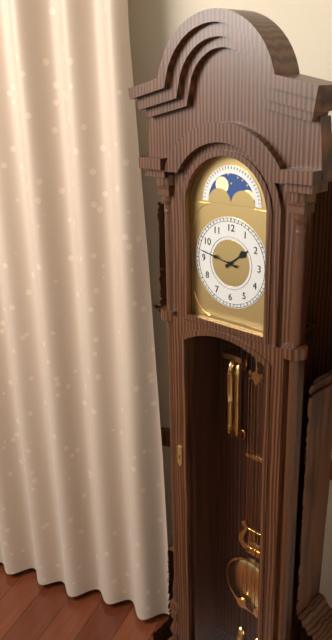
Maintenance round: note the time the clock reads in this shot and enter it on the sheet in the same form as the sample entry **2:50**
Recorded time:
**1:47**
